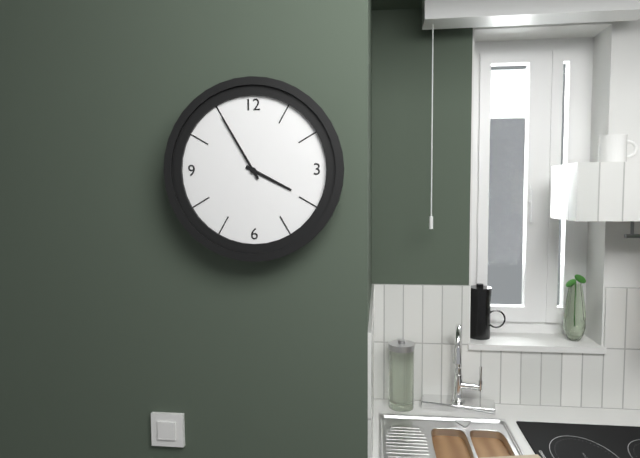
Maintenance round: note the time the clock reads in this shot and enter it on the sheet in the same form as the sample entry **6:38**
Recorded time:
**3:55**
